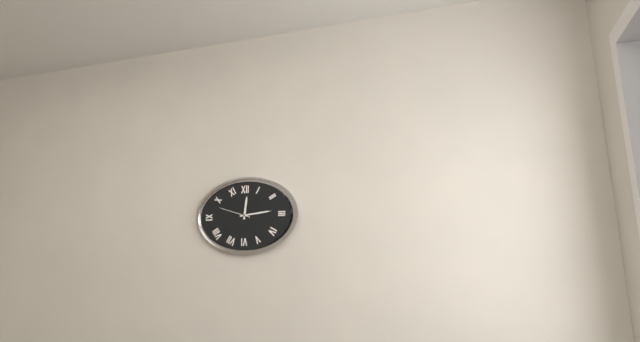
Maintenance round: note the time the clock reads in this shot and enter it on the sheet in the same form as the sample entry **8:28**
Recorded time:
**12:14**
